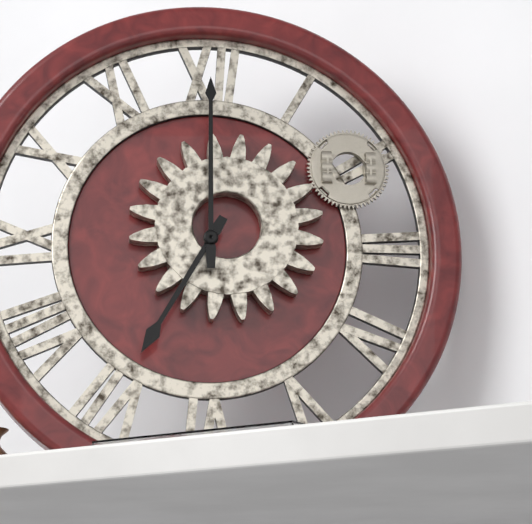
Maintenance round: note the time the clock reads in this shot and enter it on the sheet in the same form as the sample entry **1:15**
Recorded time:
**7:00**
